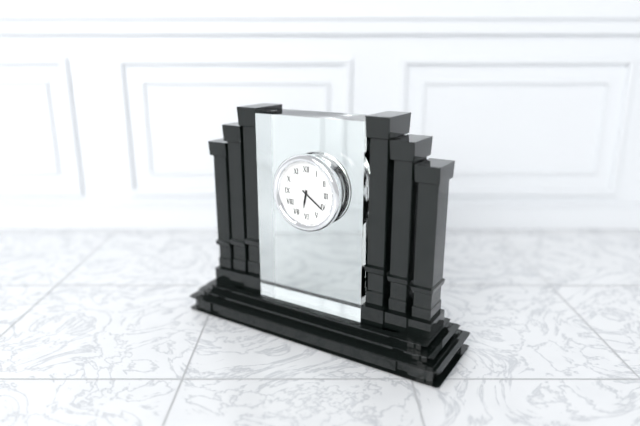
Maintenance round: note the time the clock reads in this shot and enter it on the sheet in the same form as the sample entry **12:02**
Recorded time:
**6:21**
